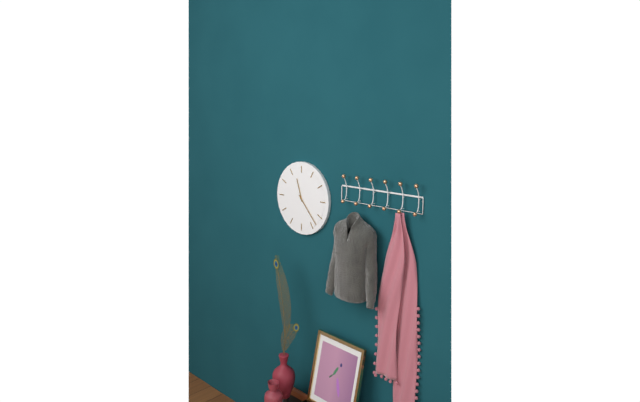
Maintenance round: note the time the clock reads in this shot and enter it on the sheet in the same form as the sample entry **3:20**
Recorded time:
**11:23**
